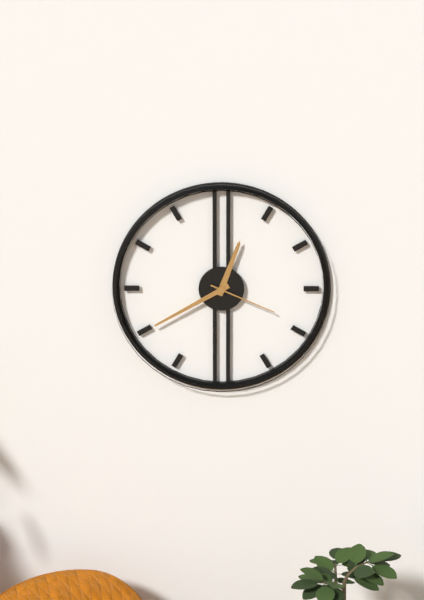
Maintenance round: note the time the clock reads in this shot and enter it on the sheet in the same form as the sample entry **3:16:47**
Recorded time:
**12:40:19**
